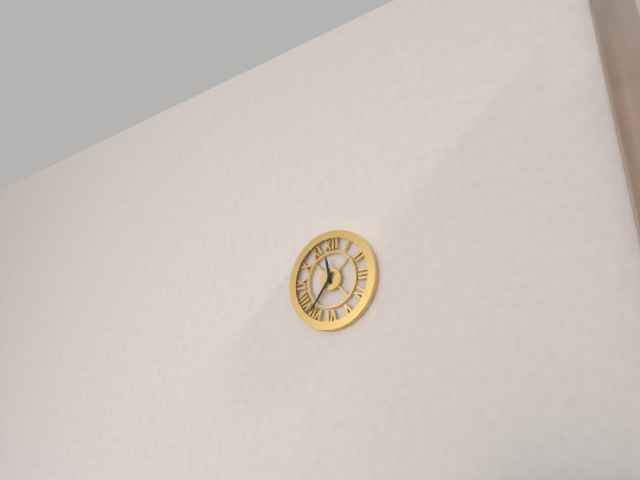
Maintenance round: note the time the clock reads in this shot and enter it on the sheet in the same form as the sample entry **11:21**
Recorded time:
**11:36**
